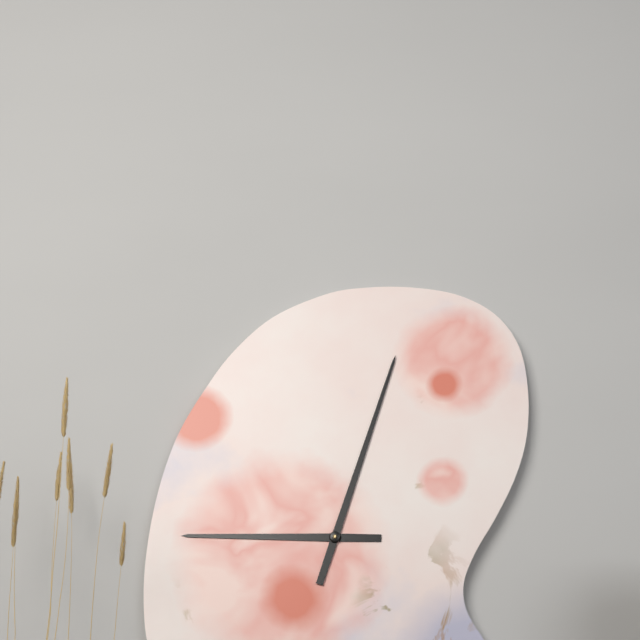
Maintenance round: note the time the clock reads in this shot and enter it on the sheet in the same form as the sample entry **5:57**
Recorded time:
**9:03**
